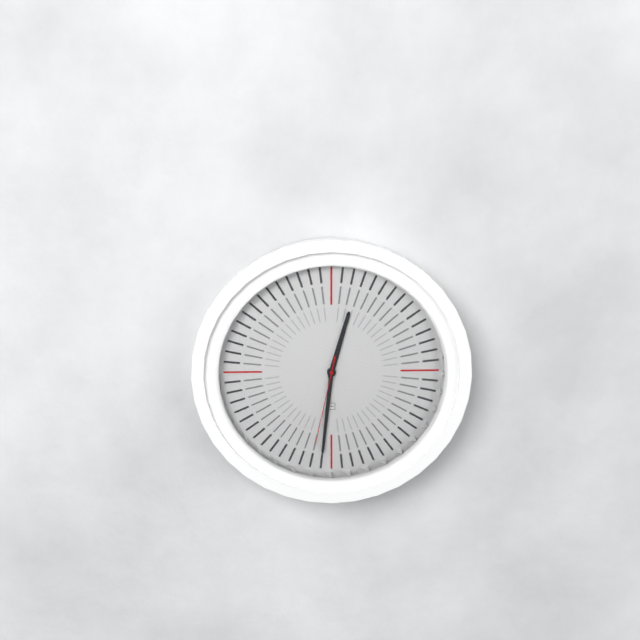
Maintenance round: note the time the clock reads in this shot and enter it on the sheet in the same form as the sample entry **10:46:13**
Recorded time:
**12:31:32**
